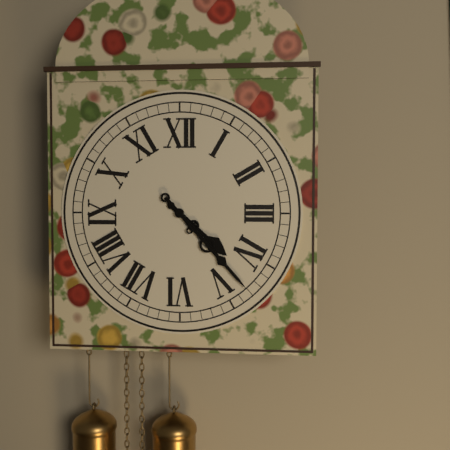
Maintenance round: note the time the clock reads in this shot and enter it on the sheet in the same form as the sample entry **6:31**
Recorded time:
**4:23**
